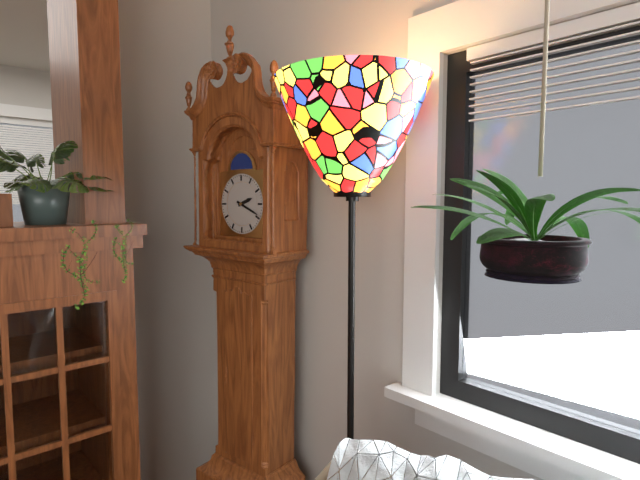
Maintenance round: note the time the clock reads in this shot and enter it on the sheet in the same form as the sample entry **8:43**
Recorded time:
**2:19**
